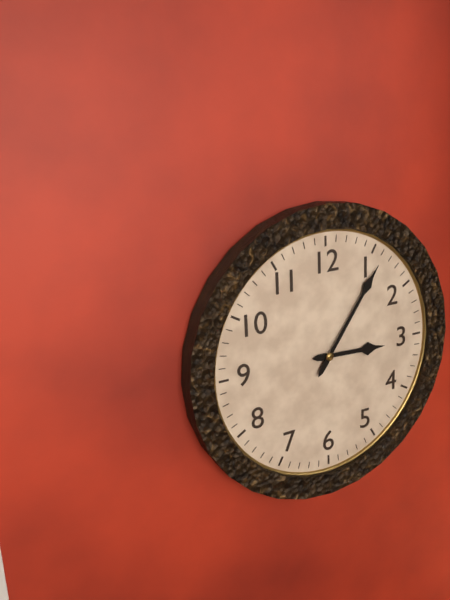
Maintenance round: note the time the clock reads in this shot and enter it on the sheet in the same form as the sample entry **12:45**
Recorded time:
**3:06**
